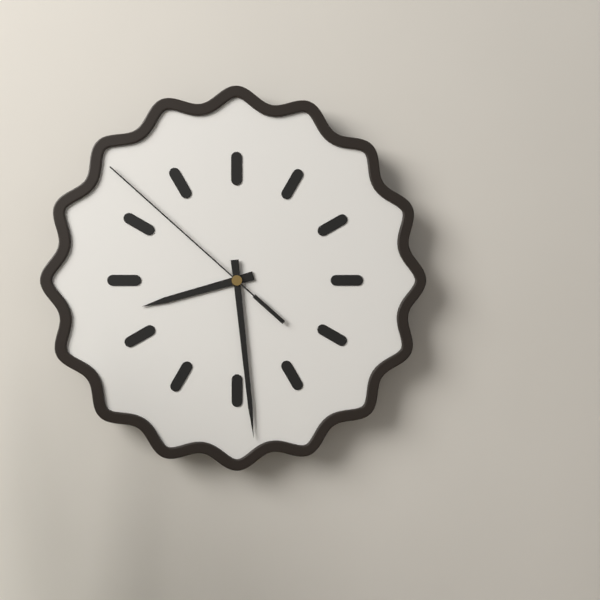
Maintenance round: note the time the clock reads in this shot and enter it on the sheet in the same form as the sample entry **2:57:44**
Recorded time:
**8:29:52**
